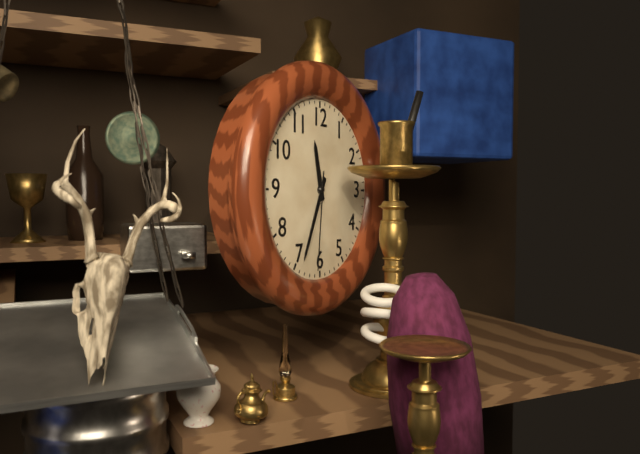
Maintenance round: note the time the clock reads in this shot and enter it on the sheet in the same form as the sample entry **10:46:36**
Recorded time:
**11:34:31**
